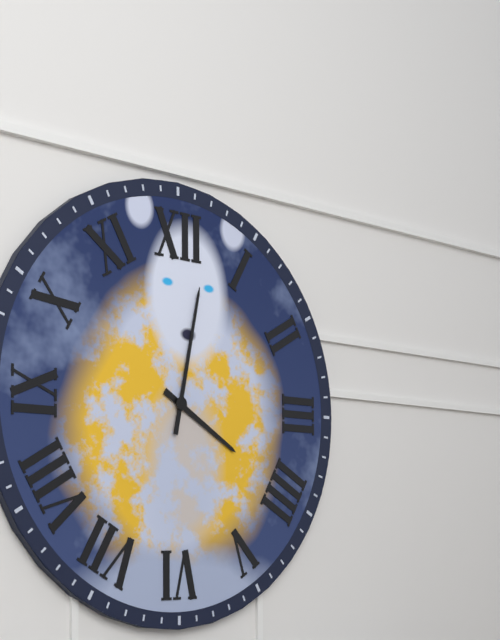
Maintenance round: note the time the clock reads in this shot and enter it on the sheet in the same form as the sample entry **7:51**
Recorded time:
**4:02**
